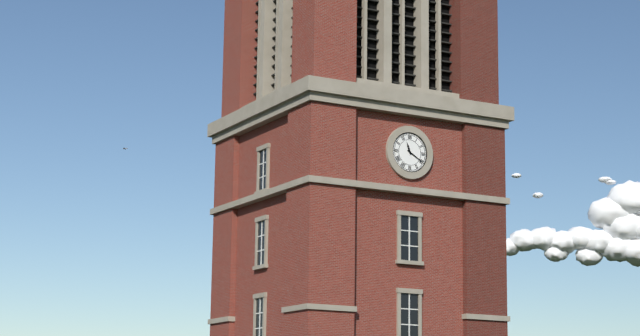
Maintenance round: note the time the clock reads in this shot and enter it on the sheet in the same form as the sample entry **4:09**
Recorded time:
**11:20**
